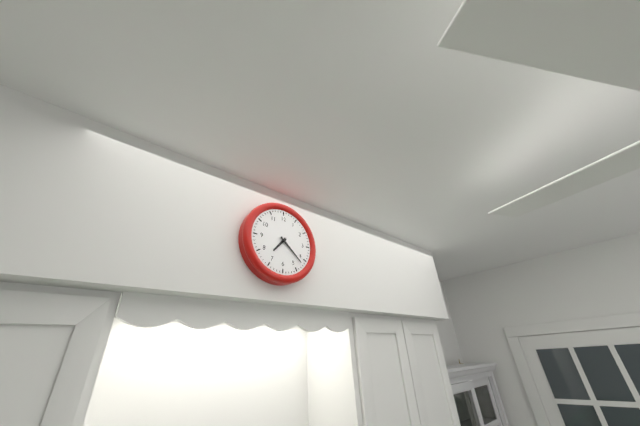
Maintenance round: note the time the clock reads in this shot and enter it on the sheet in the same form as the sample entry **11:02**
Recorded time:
**7:22**
